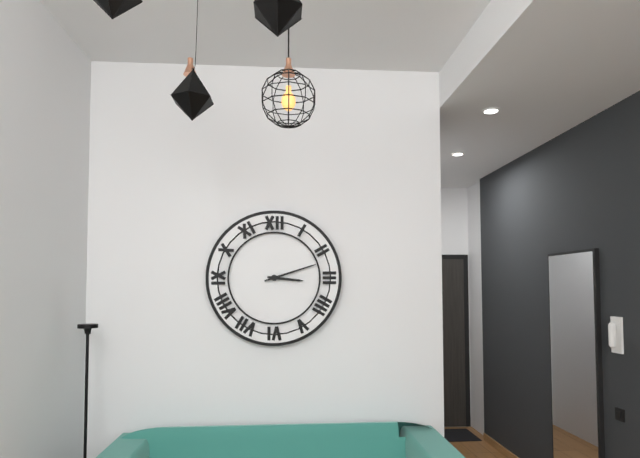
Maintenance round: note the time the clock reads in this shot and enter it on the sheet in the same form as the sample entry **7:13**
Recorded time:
**3:12**
